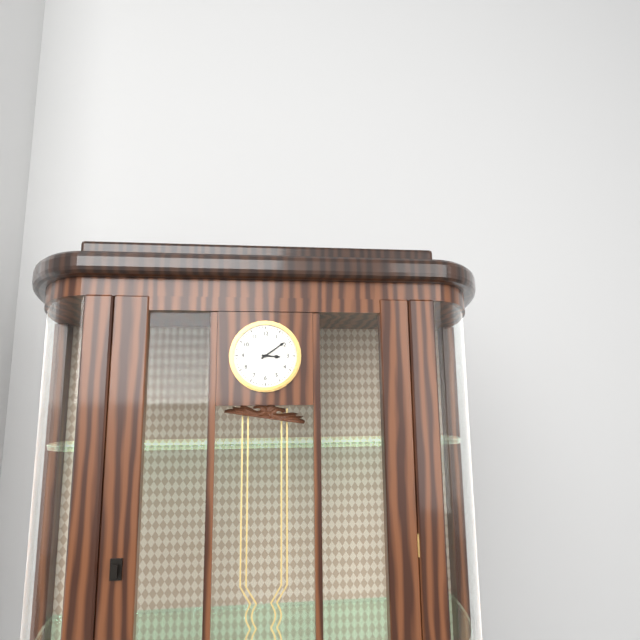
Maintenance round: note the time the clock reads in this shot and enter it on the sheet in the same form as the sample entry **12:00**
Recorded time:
**3:09**
